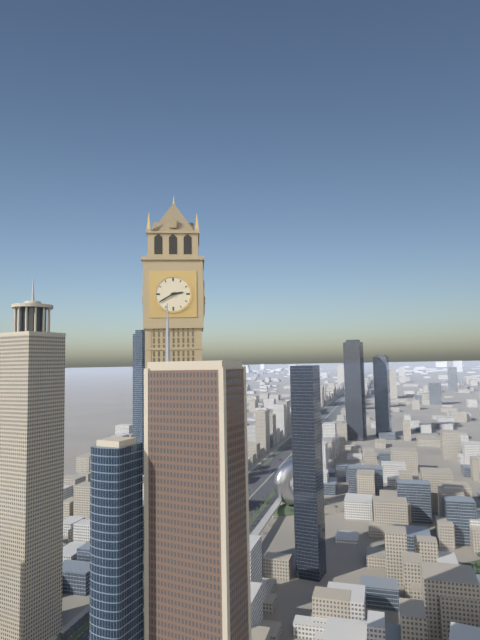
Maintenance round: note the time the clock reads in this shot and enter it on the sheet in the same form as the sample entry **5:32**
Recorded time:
**2:40**
